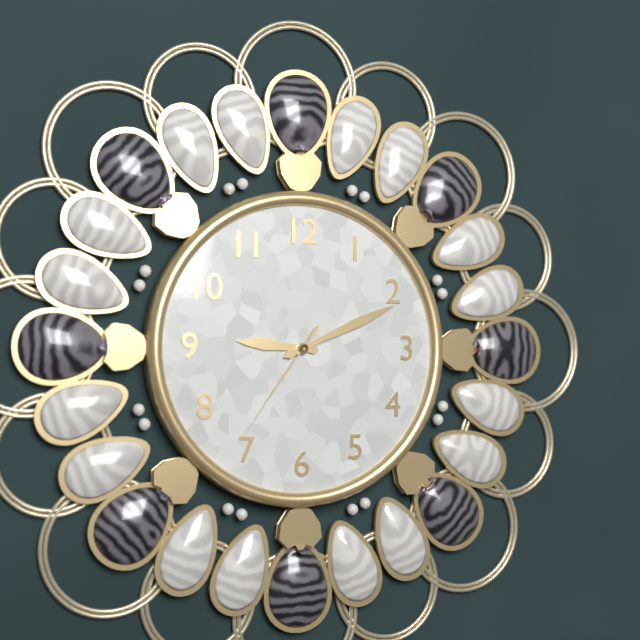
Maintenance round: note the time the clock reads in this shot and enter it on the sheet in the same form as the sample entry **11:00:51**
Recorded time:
**9:11:36**
